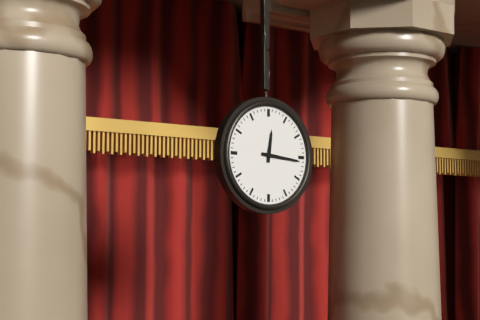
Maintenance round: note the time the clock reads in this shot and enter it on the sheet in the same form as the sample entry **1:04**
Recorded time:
**12:16**
